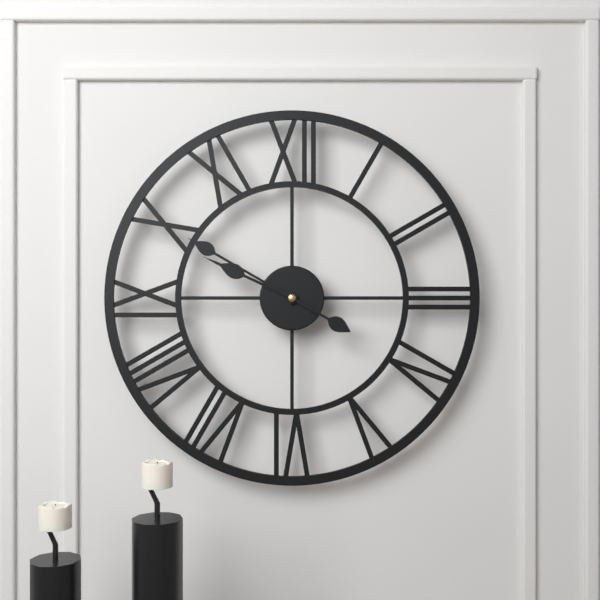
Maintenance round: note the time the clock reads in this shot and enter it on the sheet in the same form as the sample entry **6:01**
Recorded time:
**9:50**
